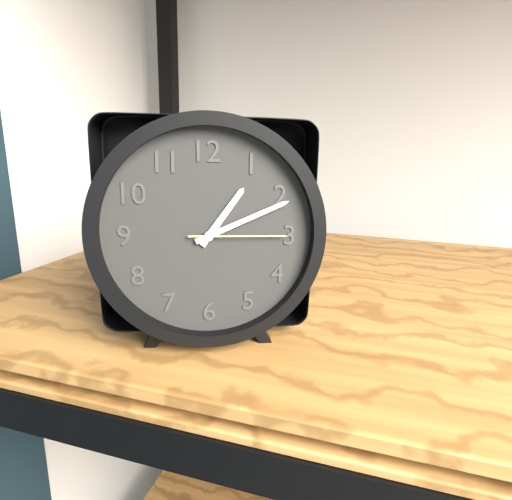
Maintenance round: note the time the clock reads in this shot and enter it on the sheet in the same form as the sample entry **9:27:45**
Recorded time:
**1:11:15**
